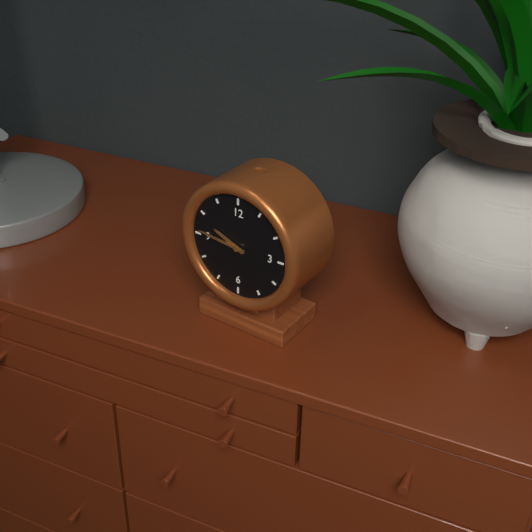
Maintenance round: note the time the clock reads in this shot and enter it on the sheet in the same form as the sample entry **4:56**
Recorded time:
**9:46**
